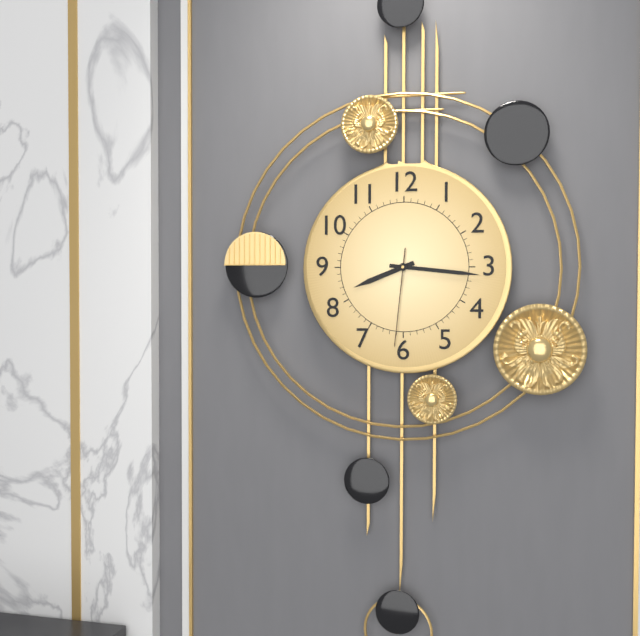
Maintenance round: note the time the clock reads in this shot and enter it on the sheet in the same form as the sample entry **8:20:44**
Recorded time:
**8:16:31**
